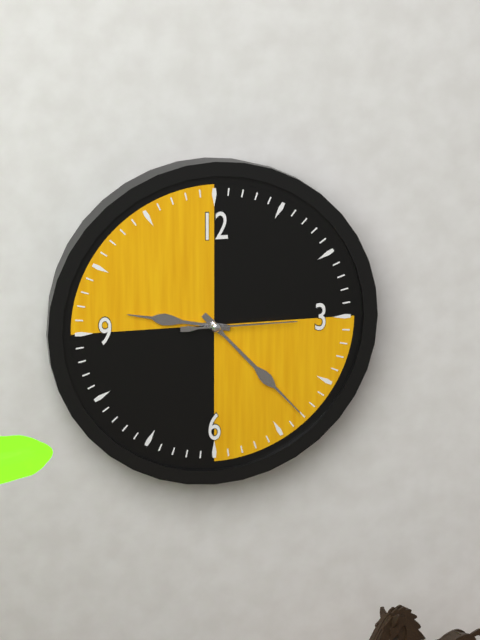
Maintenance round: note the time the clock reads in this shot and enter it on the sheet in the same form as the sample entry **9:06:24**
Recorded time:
**9:23:15**
